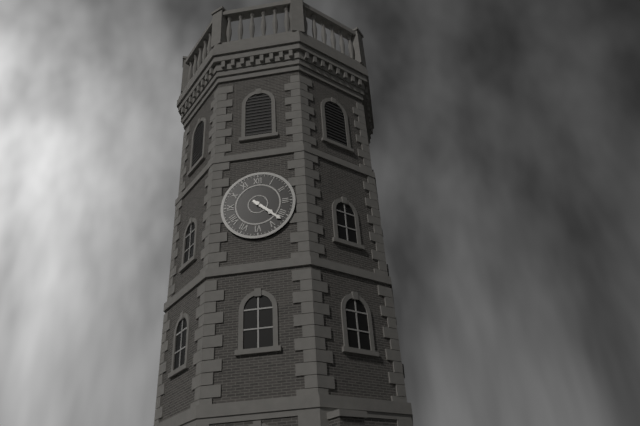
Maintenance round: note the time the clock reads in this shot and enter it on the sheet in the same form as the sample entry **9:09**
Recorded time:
**4:22**
